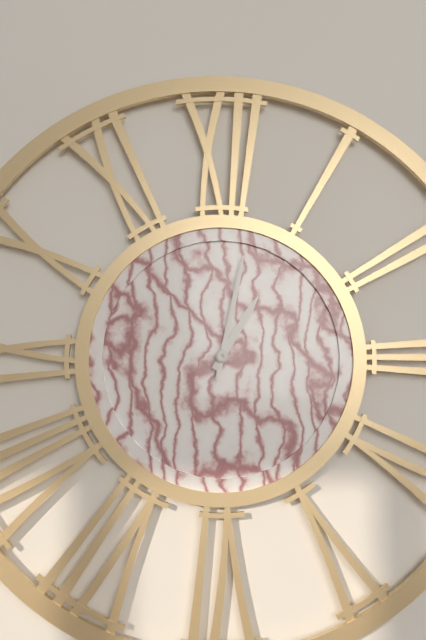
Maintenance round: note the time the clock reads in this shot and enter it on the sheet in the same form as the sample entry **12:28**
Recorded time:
**1:02**
